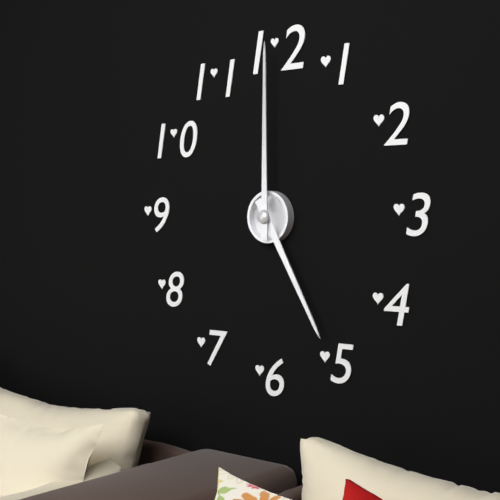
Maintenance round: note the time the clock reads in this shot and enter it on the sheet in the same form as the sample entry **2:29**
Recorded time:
**5:00**
